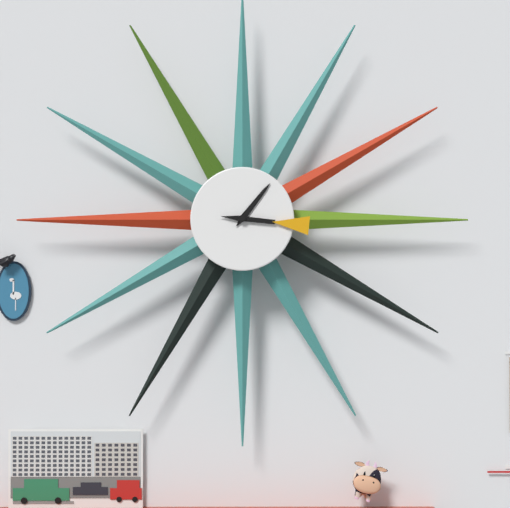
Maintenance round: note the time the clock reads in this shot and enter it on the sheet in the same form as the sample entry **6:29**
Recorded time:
**1:16**
